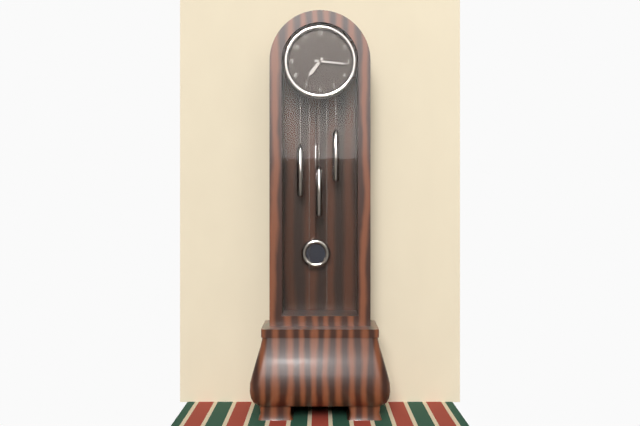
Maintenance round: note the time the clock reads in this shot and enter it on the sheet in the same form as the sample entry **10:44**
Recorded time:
**7:16**
